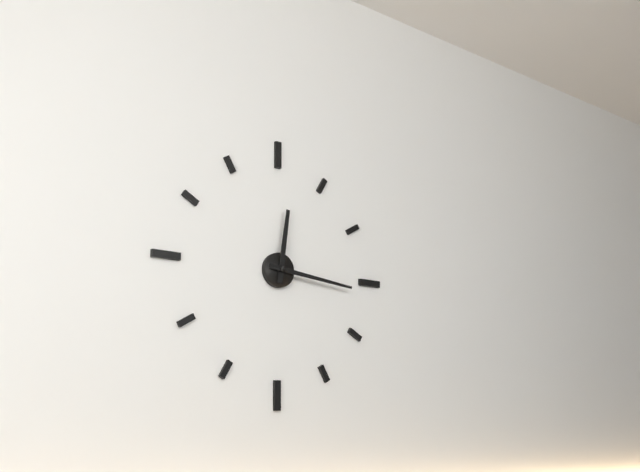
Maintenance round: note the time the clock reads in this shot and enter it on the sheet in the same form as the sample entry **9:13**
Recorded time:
**12:16**
